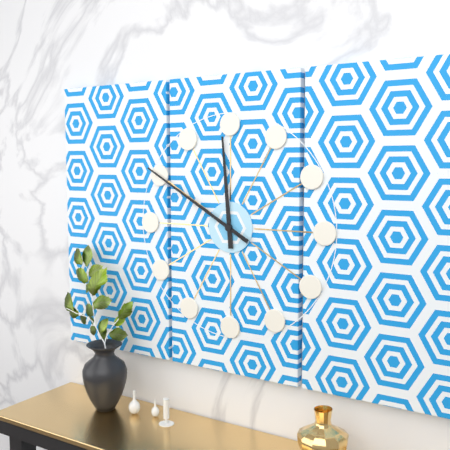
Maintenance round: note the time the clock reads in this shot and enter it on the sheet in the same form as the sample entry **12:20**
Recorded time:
**11:50**
